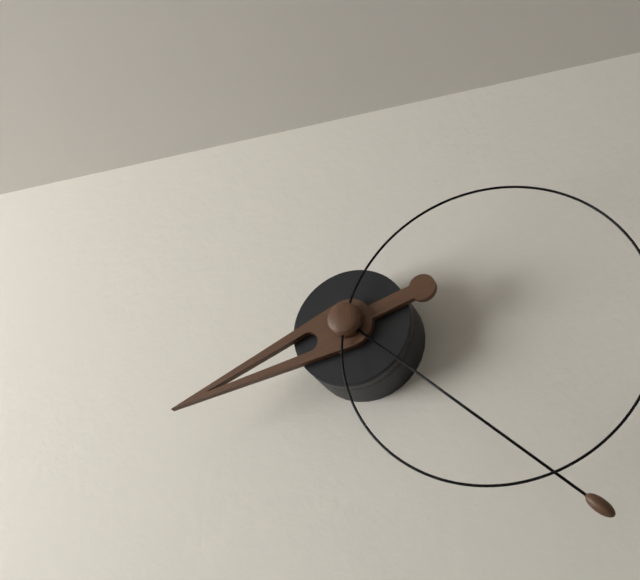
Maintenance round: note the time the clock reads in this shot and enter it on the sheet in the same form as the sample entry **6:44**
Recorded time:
**8:22**
